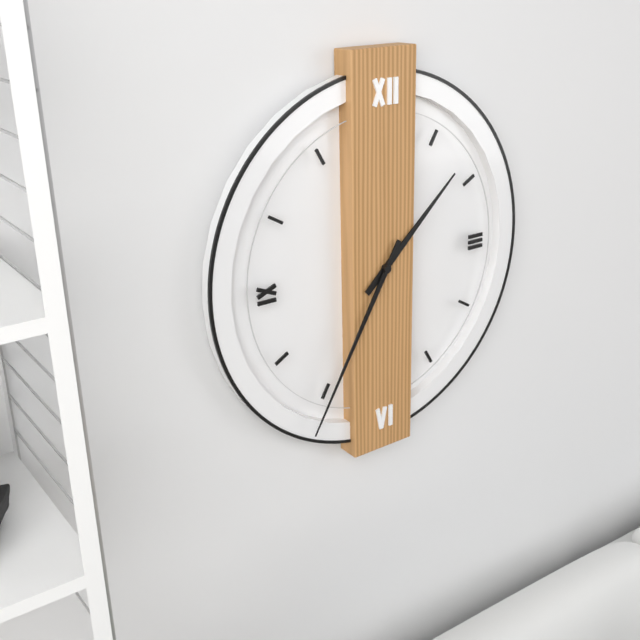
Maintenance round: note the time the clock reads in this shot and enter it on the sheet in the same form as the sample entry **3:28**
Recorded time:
**1:35**
